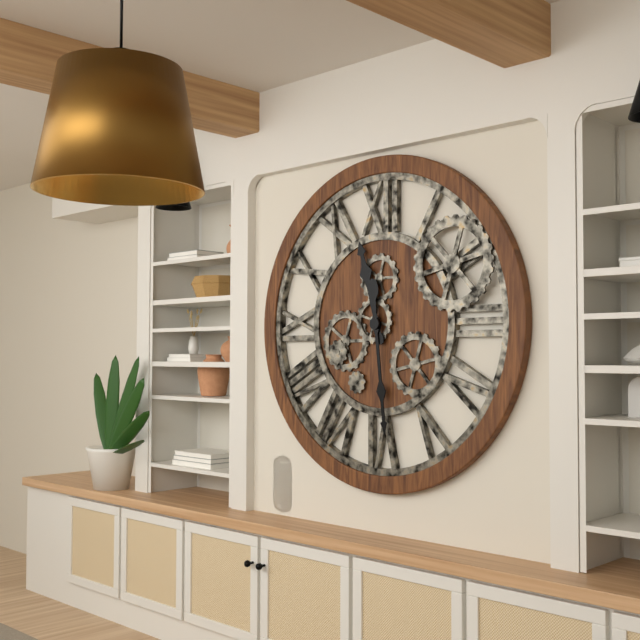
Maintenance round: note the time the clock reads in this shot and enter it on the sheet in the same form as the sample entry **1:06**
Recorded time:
**11:29**
